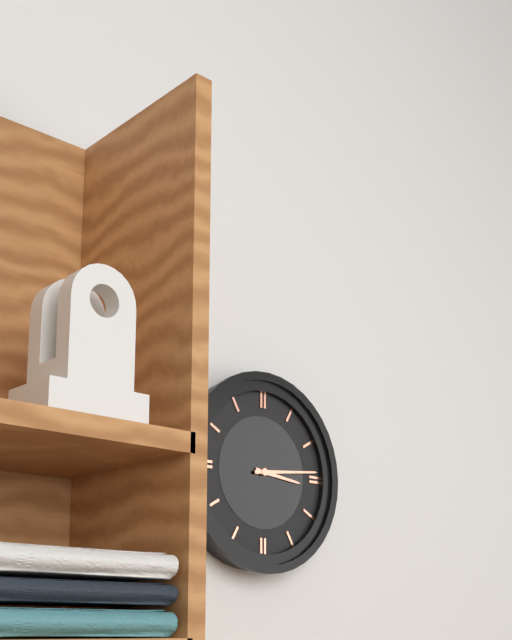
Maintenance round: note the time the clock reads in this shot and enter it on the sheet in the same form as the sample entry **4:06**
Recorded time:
**3:14**
